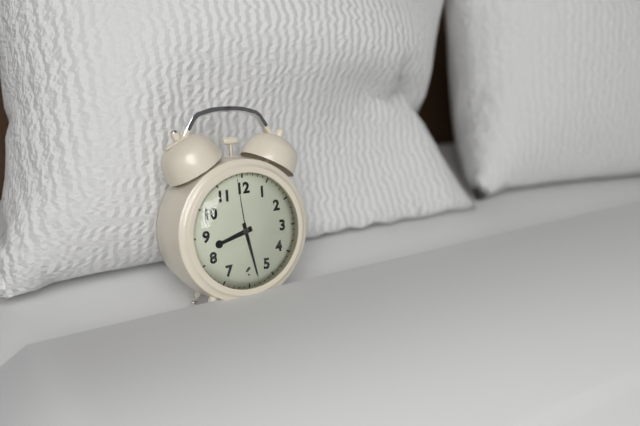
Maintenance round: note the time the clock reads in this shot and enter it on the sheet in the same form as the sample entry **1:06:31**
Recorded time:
**8:28:59**
